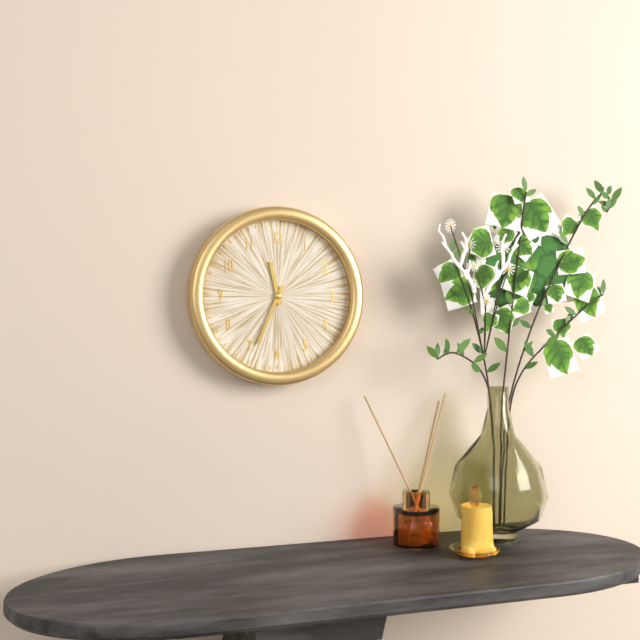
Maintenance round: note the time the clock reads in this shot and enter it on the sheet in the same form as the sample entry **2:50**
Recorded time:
**11:34**
